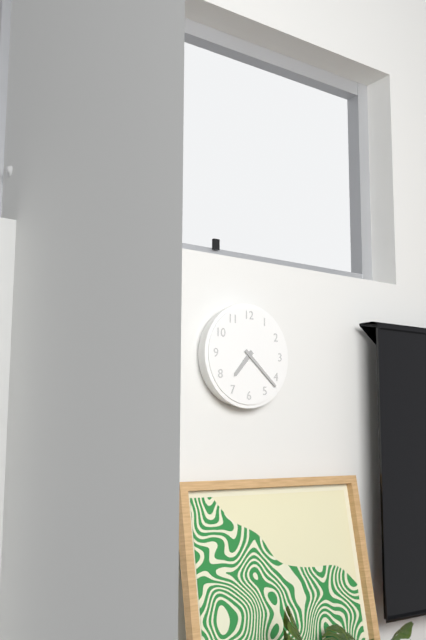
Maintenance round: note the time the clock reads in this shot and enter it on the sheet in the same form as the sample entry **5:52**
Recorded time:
**7:22**
